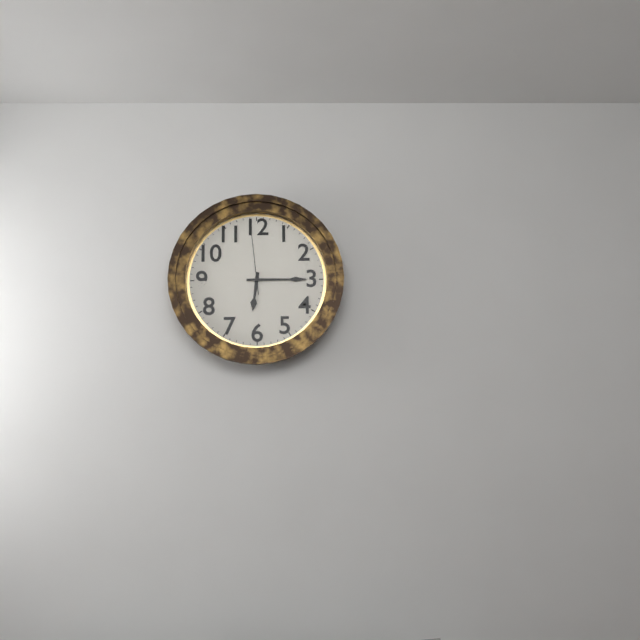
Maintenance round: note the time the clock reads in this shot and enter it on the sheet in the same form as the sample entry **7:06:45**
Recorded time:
**6:15:59**
